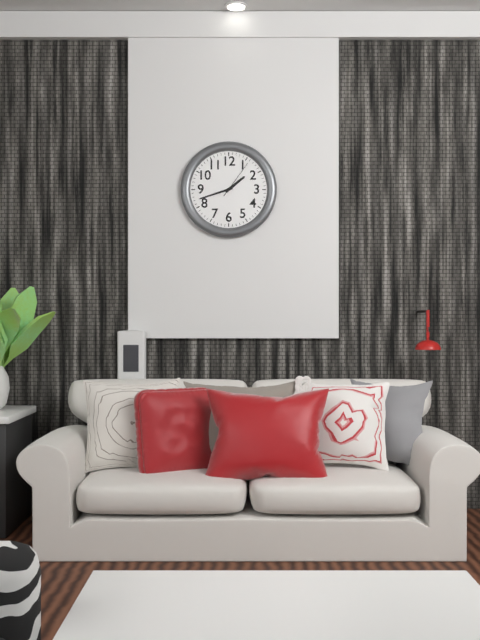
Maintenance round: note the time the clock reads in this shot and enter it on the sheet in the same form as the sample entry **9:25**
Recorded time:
**1:42**
